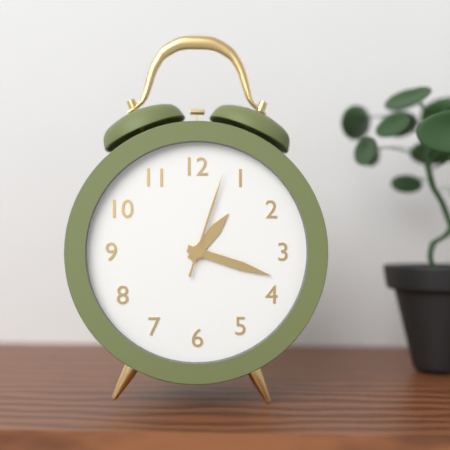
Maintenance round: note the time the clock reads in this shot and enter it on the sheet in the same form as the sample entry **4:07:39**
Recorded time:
**1:18:03**
